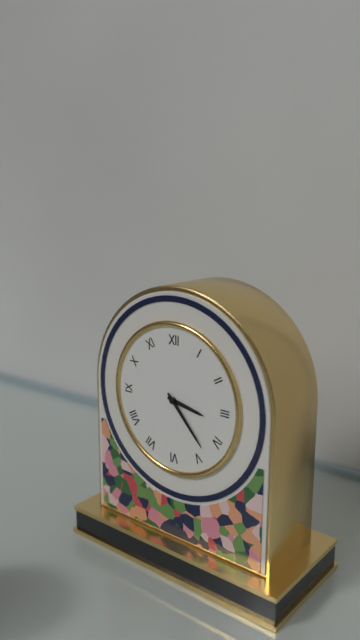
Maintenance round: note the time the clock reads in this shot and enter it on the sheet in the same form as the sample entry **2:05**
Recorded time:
**3:23**
